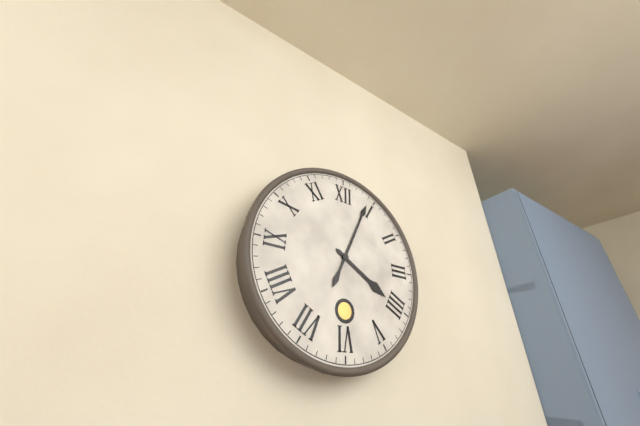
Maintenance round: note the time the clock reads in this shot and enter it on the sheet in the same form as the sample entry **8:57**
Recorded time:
**4:04**
